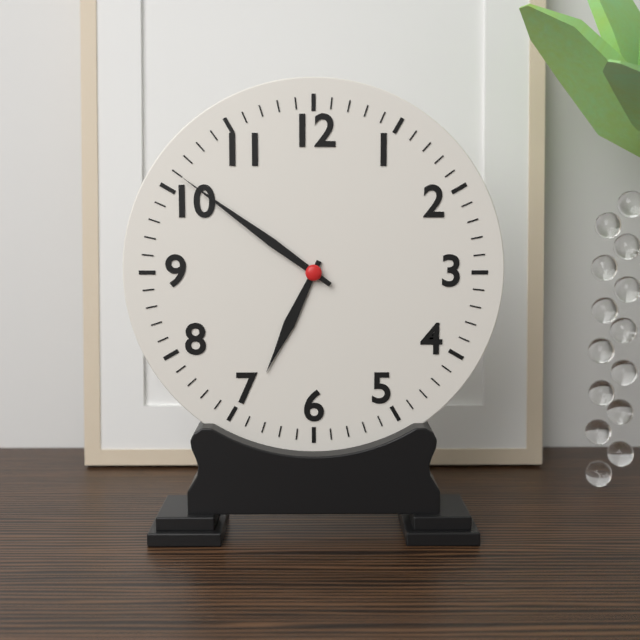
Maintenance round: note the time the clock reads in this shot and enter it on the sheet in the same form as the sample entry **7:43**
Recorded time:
**6:51**
